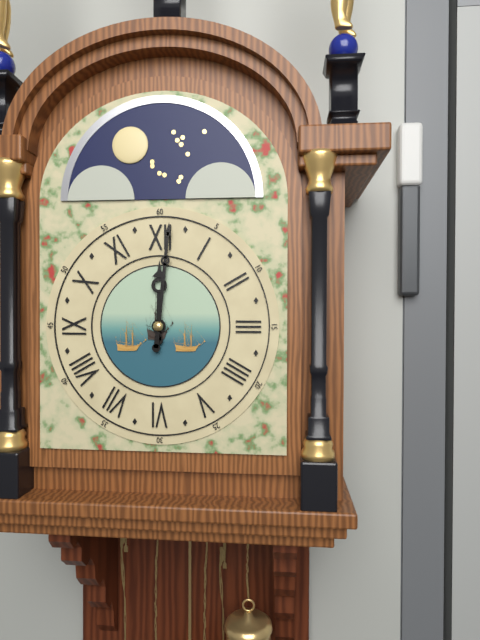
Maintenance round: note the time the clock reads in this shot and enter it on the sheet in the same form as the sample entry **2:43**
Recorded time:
**12:01**
